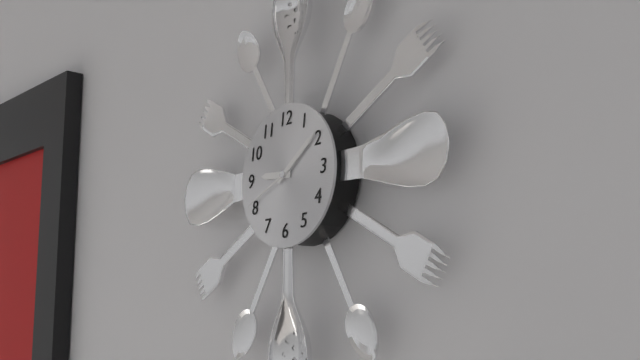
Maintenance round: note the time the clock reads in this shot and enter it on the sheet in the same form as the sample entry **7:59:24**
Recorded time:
**9:09:41**
